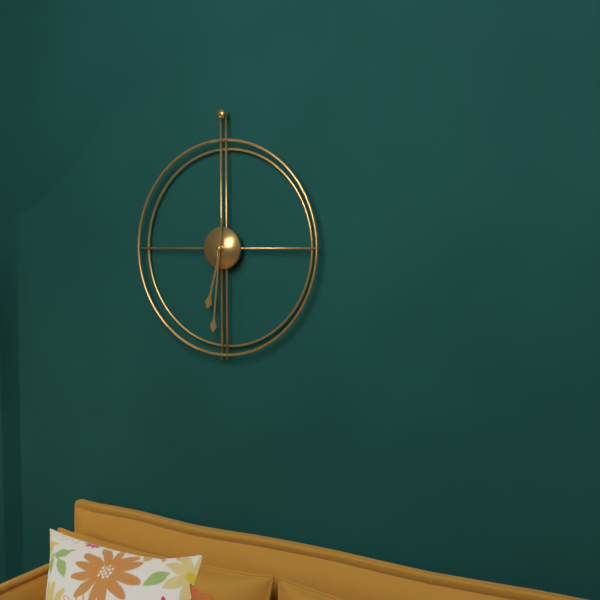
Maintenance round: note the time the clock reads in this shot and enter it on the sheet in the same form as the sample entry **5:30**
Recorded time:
**6:31**
